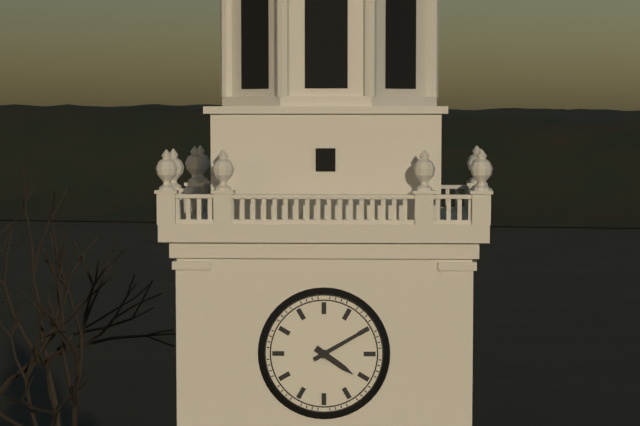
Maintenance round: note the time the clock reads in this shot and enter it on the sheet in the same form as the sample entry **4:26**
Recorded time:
**4:10**
